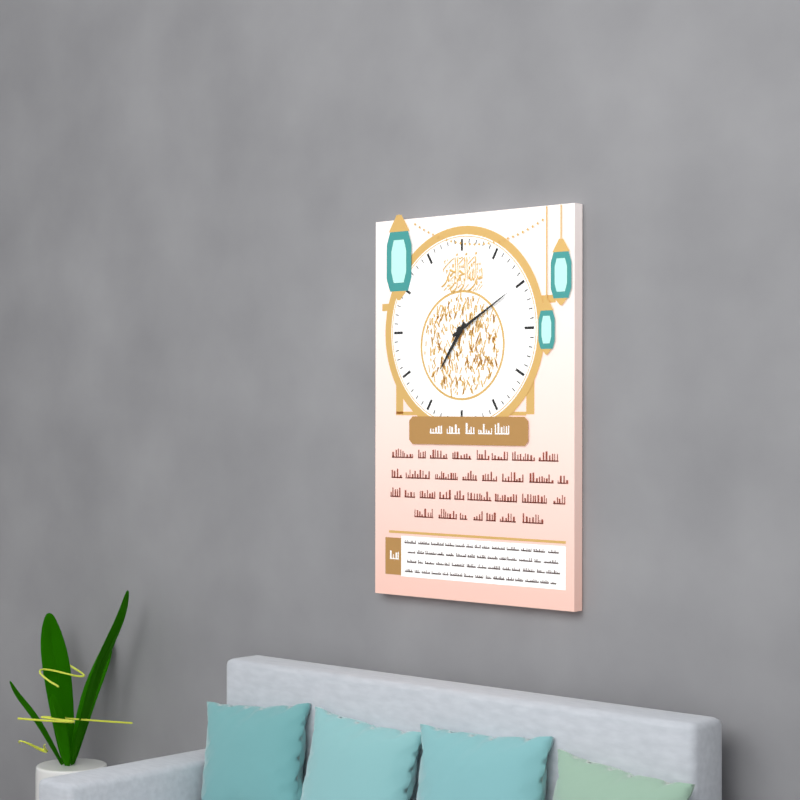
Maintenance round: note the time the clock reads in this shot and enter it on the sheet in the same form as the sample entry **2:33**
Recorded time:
**7:10**
